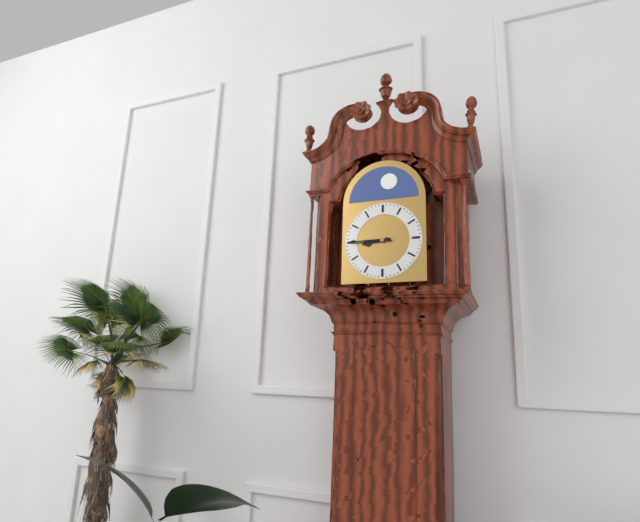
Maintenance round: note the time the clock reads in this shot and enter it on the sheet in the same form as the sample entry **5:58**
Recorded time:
**8:45**
